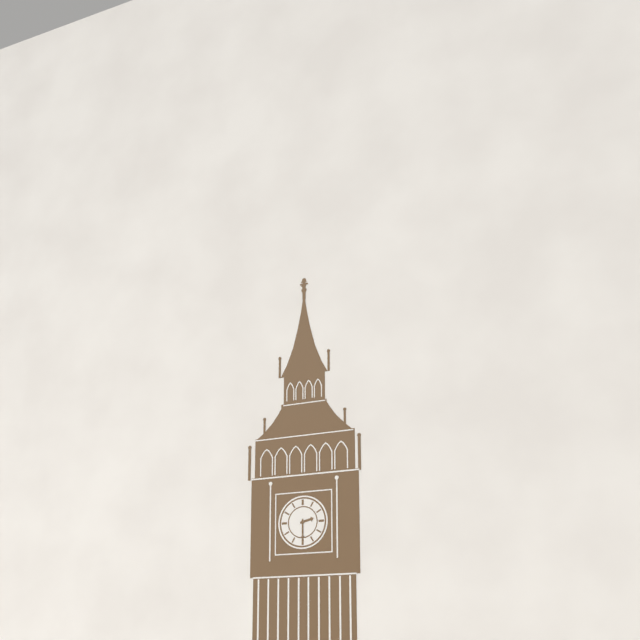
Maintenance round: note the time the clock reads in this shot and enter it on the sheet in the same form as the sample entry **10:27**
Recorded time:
**2:30**
